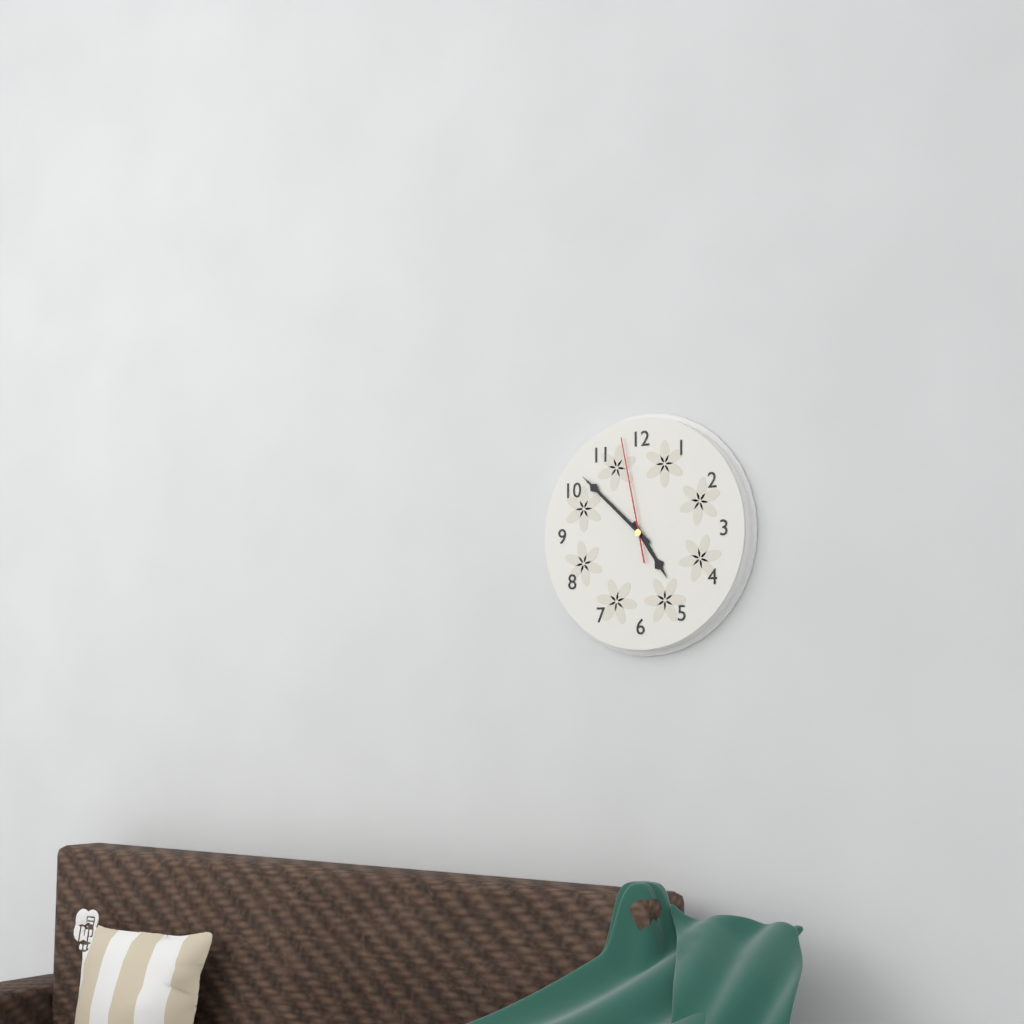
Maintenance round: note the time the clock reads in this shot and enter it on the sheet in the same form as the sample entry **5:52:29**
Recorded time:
**4:52:58**
